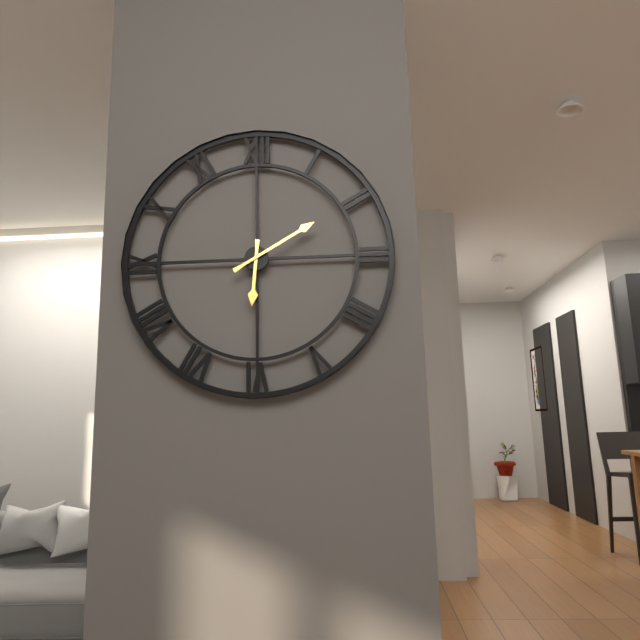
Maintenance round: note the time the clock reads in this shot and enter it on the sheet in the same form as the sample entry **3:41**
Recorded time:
**6:10**
